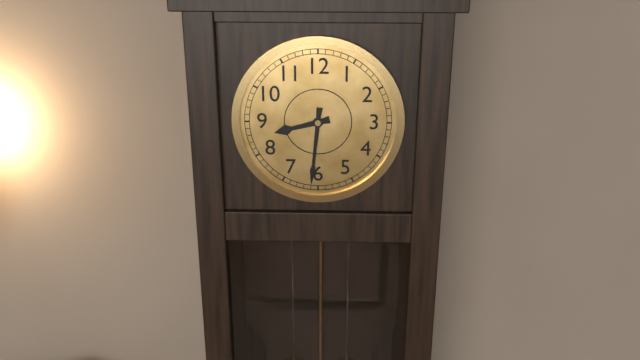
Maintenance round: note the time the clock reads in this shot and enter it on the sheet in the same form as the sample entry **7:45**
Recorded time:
**8:31**
